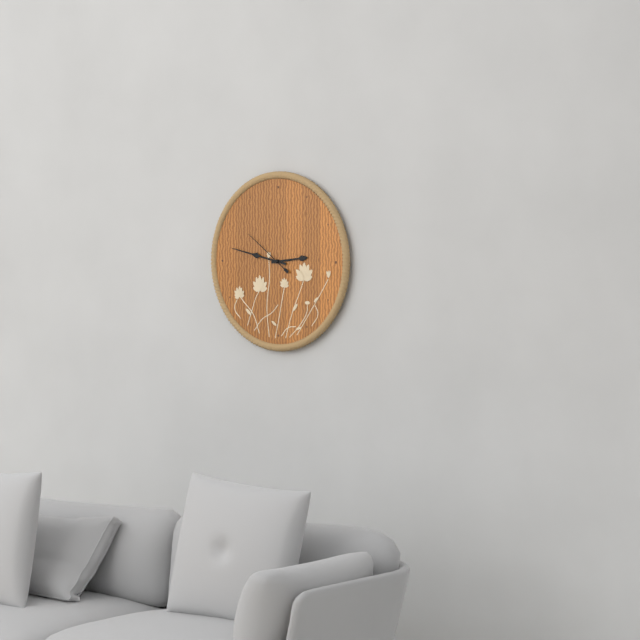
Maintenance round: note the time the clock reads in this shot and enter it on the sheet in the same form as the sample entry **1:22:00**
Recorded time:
**2:47:51**
